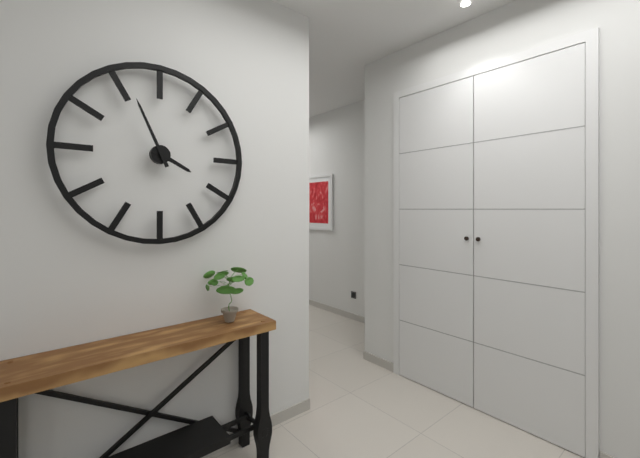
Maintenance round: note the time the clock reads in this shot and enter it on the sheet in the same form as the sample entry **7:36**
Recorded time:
**3:56**
